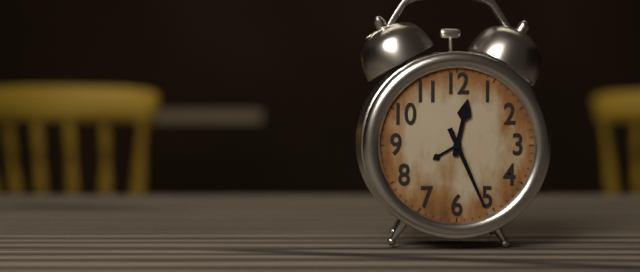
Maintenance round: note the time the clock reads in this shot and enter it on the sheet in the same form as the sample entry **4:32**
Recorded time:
**12:26**
